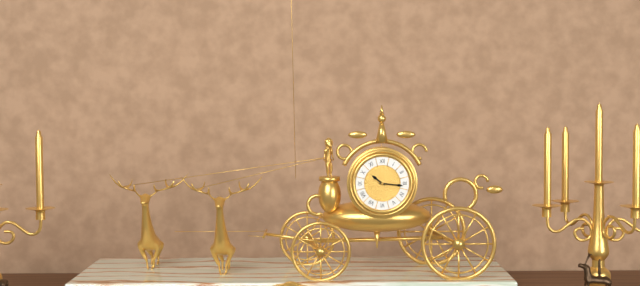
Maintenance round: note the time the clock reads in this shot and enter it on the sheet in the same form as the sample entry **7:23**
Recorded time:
**10:16**
